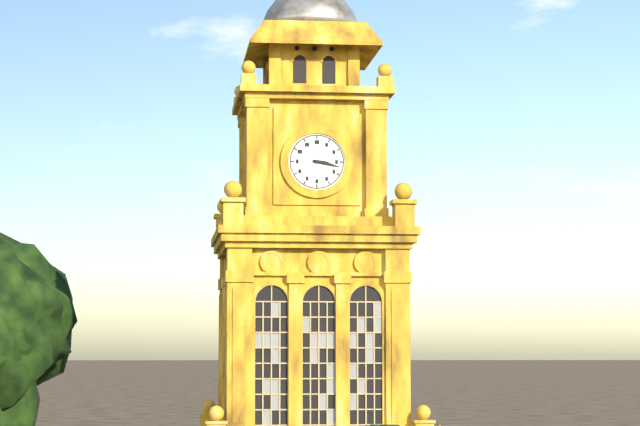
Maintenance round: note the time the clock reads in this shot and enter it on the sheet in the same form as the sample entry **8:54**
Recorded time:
**3:17**
